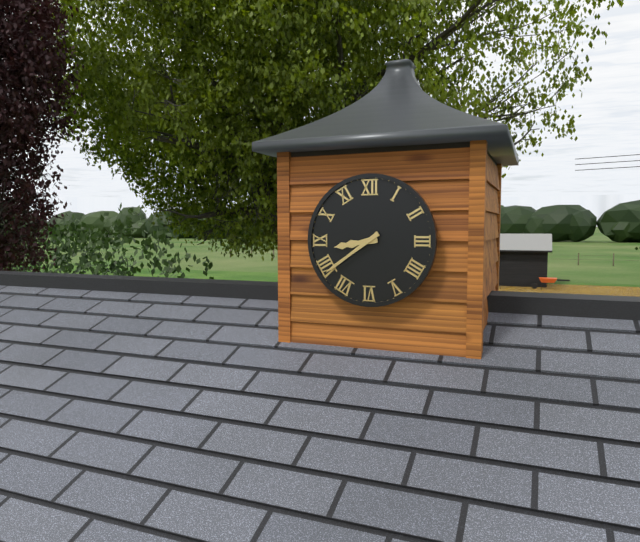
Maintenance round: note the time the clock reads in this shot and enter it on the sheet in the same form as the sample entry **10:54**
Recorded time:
**8:39**
